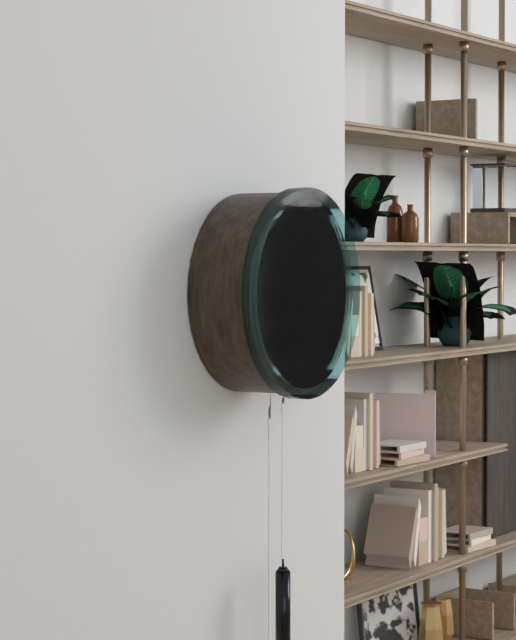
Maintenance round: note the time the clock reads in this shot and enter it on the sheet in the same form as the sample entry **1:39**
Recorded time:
**9:47**
